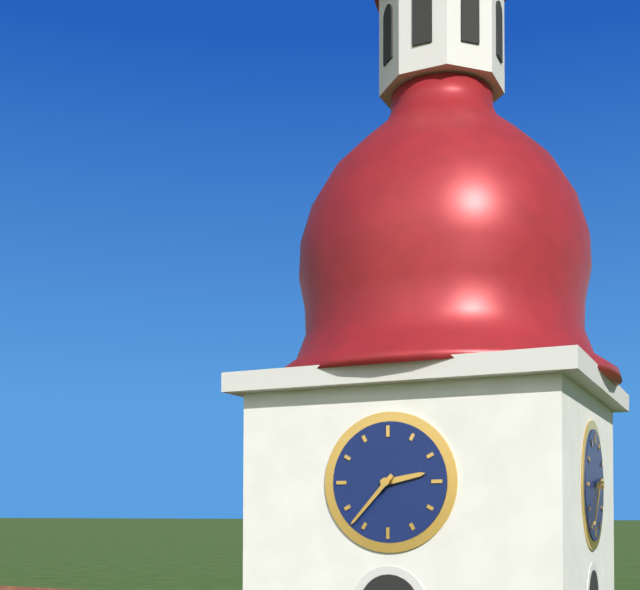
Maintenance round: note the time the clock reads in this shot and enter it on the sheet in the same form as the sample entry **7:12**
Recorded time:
**2:37**
